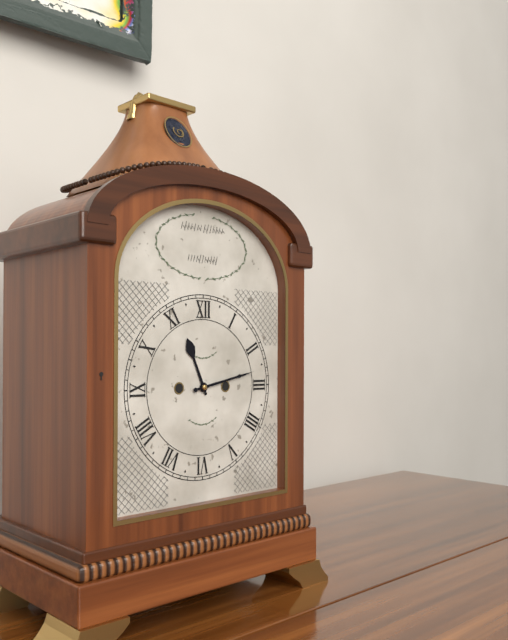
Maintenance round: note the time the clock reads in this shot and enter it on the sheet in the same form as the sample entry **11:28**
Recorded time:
**11:13**
